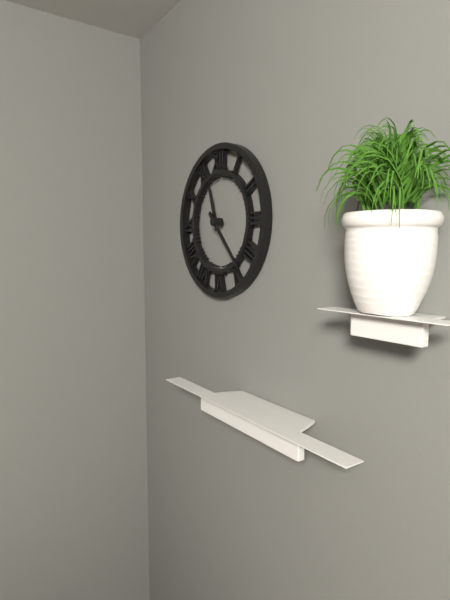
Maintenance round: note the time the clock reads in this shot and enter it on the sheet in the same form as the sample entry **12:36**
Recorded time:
**11:23**
